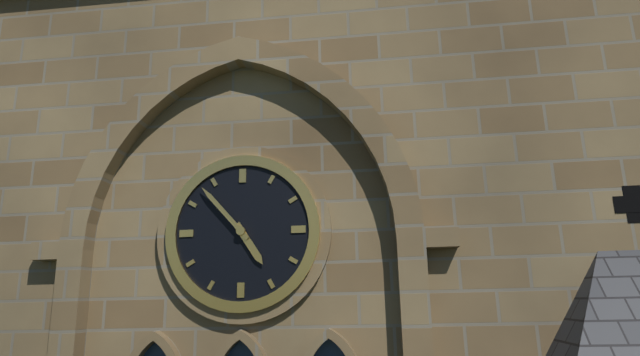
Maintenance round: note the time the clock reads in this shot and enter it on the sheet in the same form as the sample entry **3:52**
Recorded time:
**4:53**
